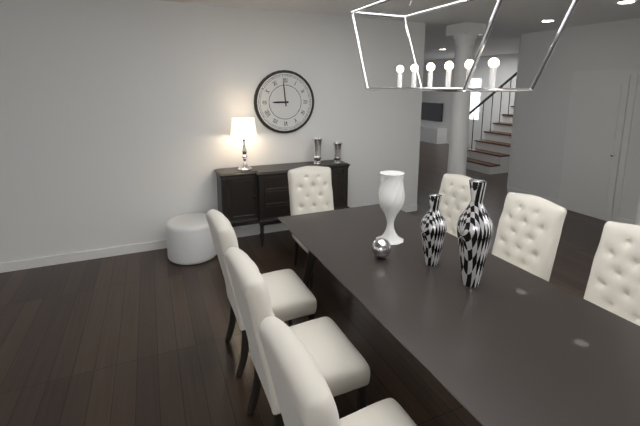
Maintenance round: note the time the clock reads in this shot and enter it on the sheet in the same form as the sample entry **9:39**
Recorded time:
**8:59**
